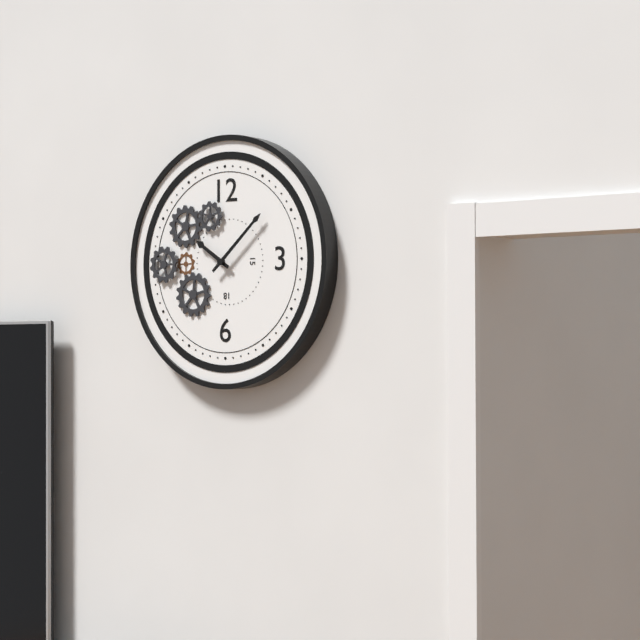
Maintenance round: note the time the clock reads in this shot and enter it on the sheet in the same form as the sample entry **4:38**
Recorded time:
**10:08**
